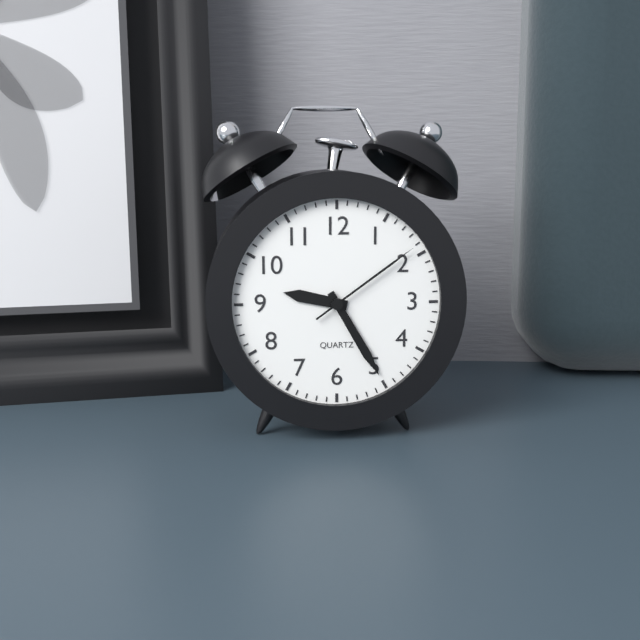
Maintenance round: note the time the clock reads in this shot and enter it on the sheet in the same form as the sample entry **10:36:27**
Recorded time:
**9:25:09**
